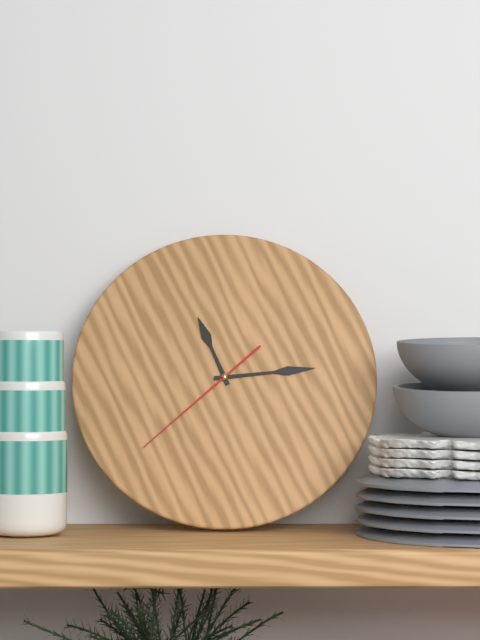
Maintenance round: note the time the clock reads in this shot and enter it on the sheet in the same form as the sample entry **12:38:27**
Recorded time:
**11:14:38**
